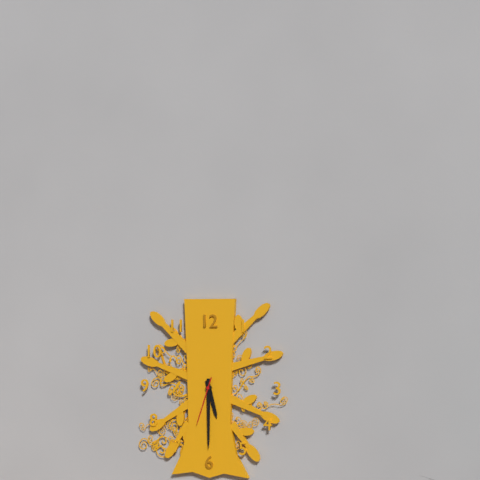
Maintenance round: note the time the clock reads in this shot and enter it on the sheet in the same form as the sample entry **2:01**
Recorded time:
**5:30**
